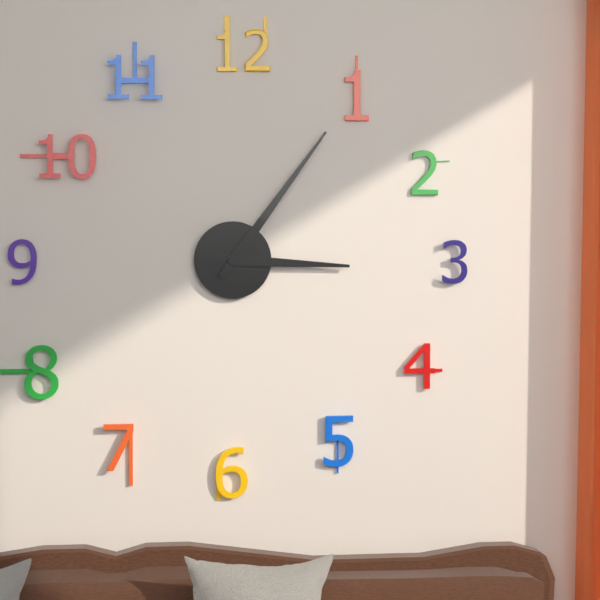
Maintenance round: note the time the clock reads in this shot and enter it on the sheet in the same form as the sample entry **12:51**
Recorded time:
**3:06**
